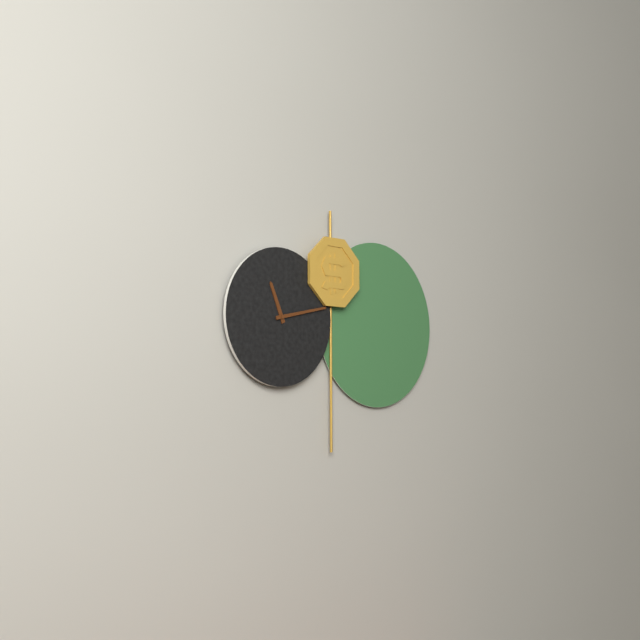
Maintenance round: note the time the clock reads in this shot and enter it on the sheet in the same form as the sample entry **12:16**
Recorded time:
**11:13**
